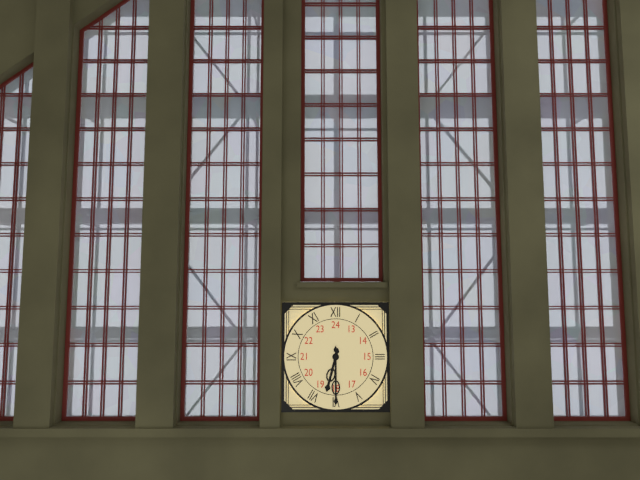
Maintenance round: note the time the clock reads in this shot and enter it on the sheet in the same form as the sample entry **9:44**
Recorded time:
**6:30**
